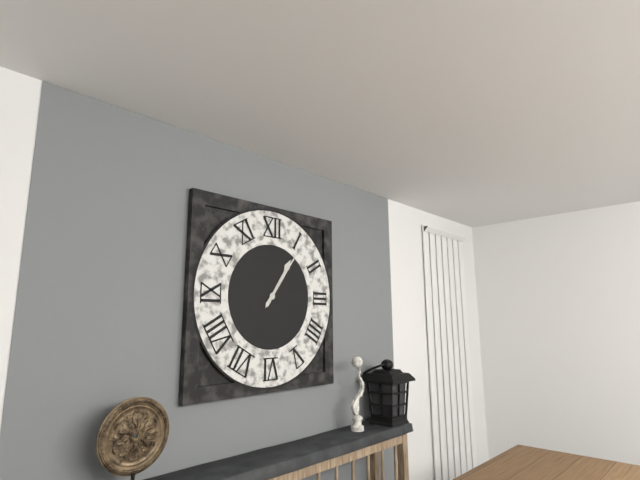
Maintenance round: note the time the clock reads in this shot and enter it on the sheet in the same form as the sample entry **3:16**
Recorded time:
**1:06**
